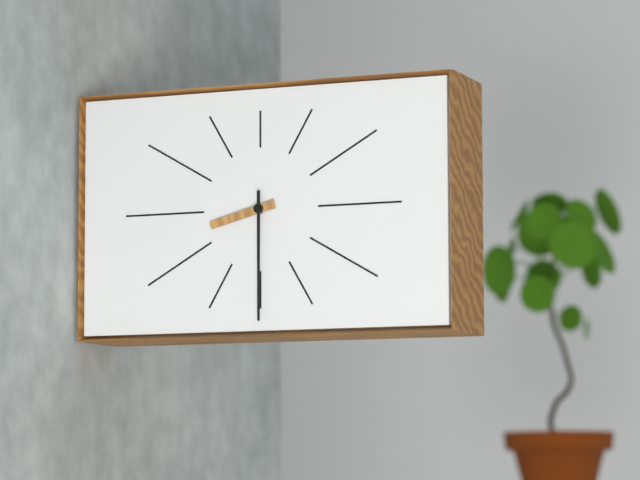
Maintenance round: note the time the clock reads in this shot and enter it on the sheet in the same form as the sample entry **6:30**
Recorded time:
**8:30**
